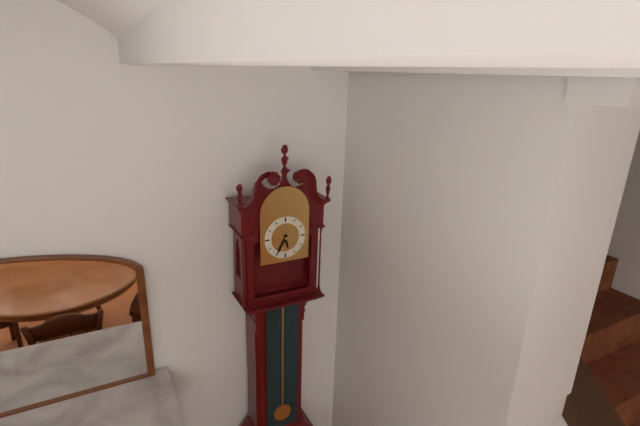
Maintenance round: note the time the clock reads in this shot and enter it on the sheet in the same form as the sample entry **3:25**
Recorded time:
**5:35**
